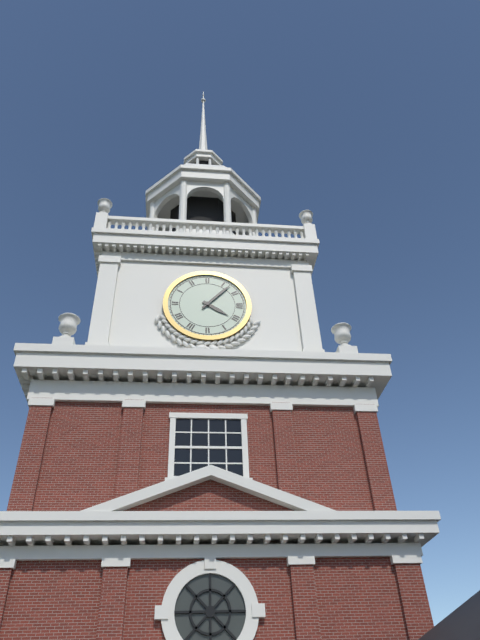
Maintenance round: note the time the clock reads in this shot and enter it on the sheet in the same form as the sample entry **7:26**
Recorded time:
**4:07**
